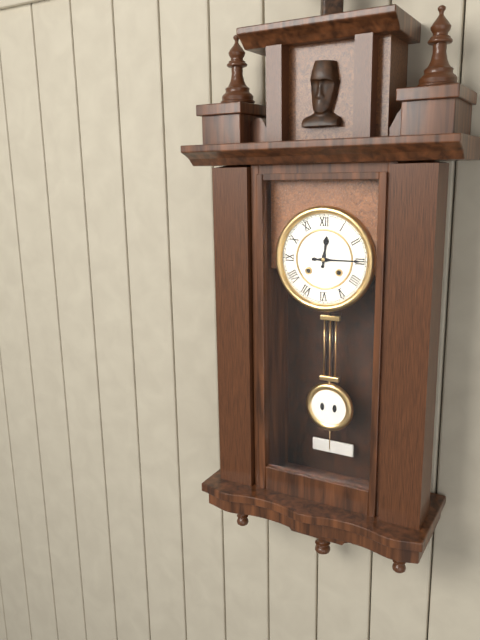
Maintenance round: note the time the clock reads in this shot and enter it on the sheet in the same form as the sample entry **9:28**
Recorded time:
**12:15**
